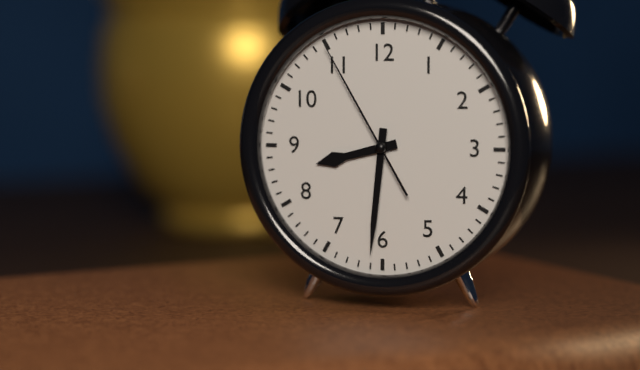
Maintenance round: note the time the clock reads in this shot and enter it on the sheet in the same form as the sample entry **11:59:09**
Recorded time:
**8:31:55**
